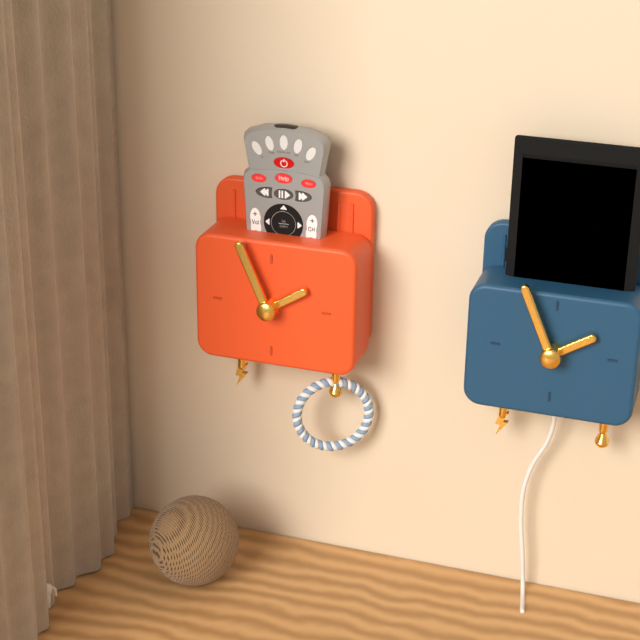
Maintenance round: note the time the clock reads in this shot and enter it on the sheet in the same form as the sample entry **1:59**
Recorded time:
**1:56**
